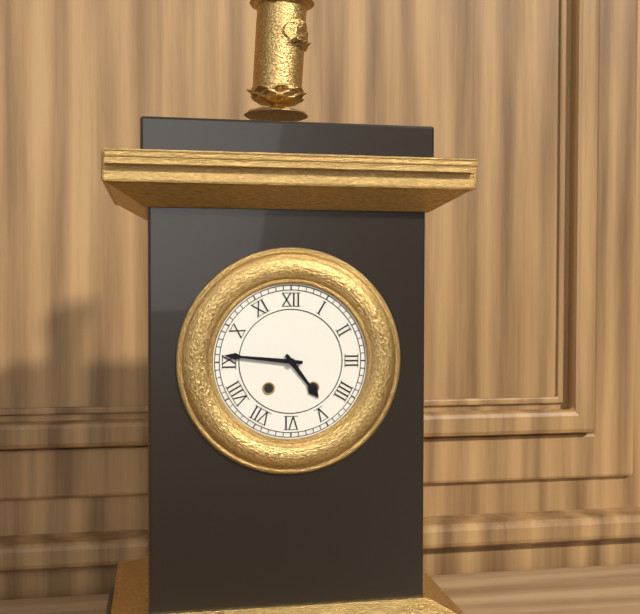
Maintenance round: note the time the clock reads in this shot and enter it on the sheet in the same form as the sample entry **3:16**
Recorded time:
**4:46**
